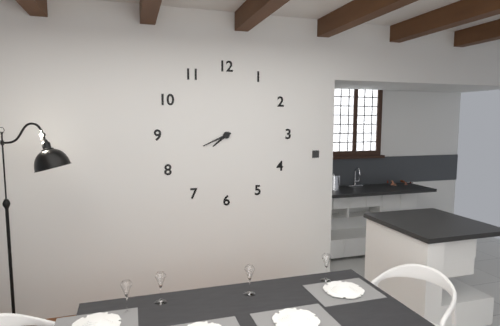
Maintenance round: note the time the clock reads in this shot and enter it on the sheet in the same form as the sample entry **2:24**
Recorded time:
**7:41**
